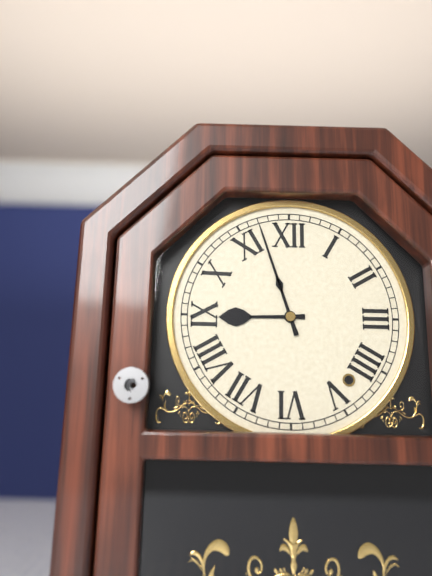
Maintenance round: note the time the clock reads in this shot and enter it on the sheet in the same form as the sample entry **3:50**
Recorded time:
**8:57**
